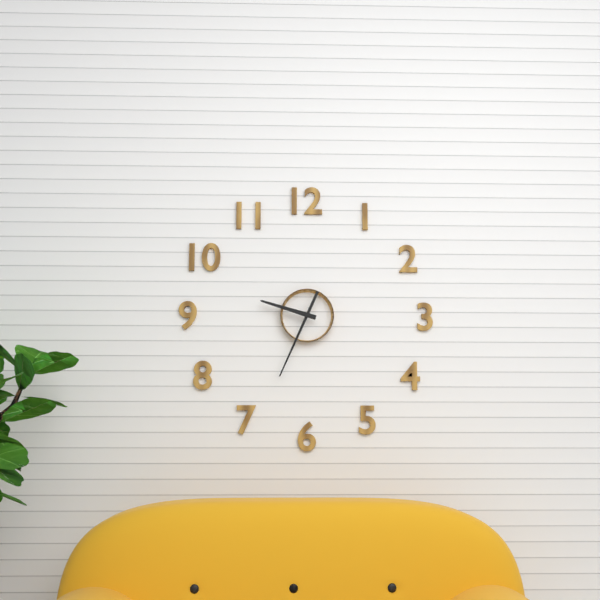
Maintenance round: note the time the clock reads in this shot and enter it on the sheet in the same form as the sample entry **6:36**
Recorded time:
**9:34**
